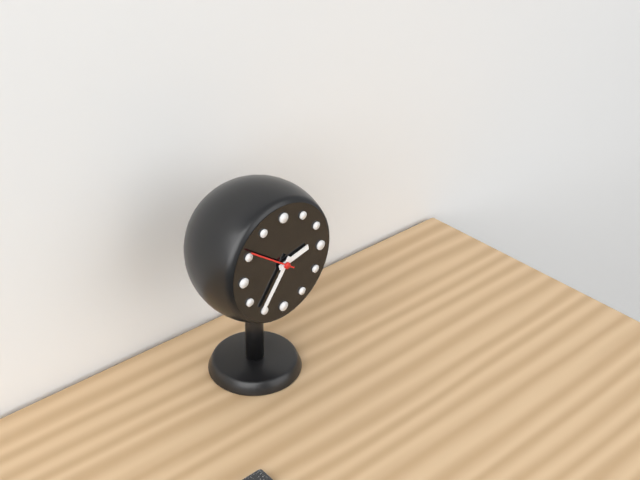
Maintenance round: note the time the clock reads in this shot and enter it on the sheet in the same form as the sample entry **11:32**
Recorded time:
**2:36**
